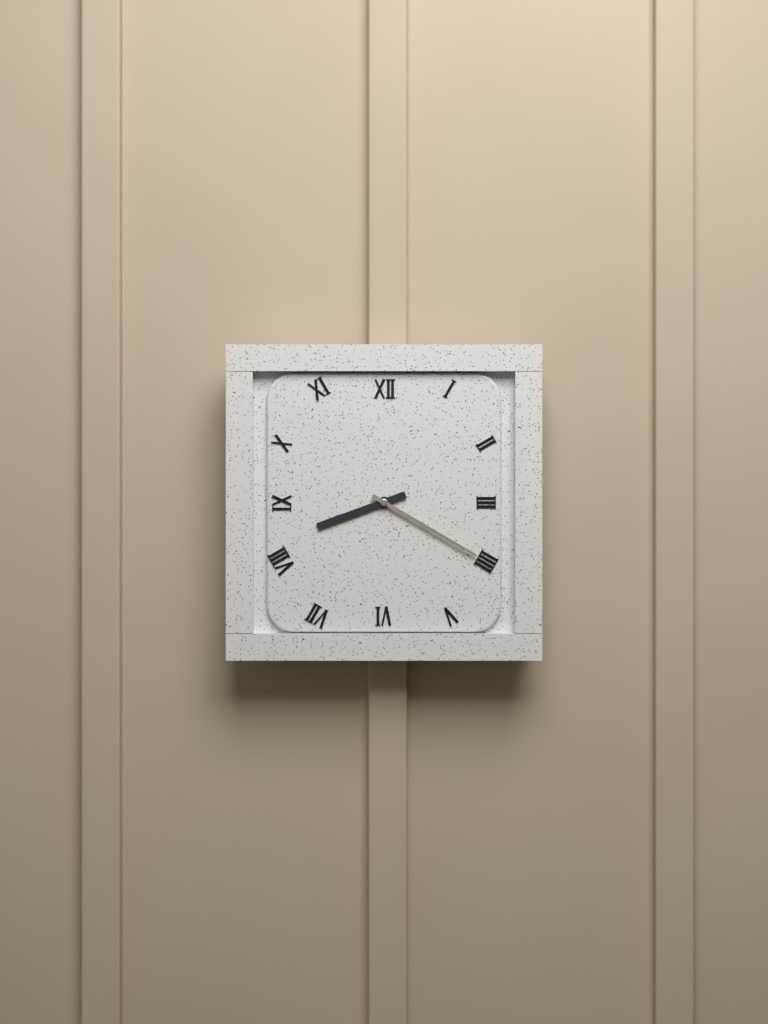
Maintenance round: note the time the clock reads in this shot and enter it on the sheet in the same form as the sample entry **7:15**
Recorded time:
**8:20**
